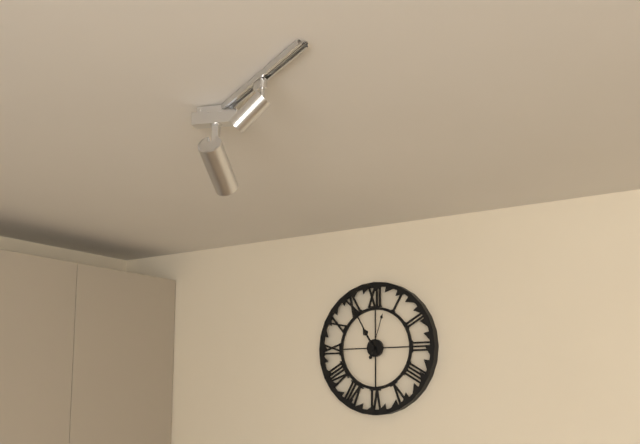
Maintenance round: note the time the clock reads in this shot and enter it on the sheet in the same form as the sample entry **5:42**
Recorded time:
**10:55**
